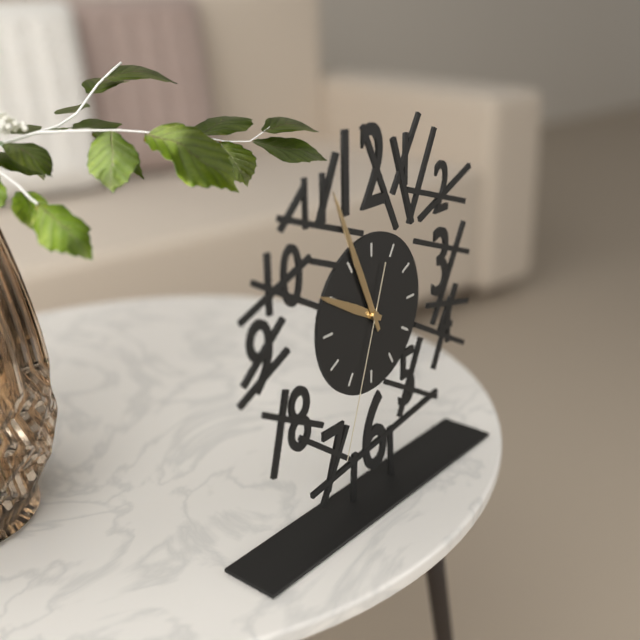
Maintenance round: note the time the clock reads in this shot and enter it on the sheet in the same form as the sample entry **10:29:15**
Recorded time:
**9:56:33**
